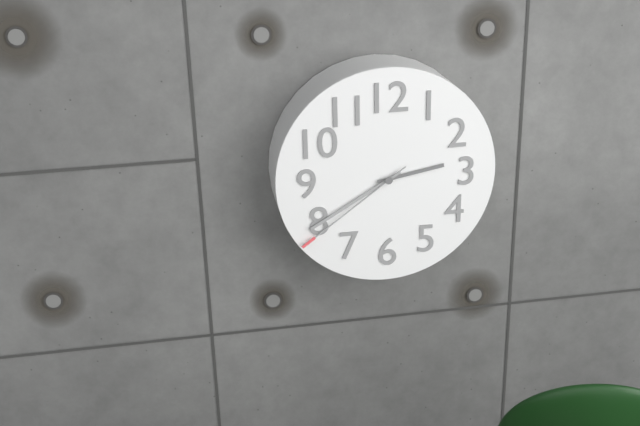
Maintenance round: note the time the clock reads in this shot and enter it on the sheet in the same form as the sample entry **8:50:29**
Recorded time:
**2:40:39**
